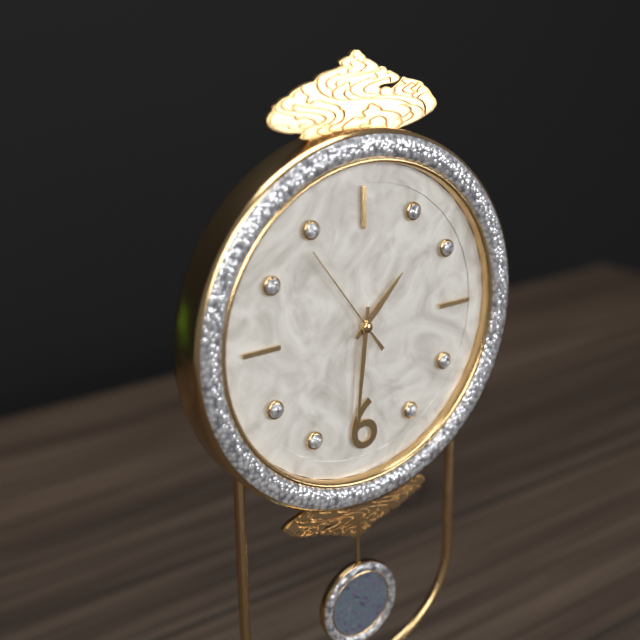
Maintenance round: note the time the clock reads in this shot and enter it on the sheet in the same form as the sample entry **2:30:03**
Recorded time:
**1:31:54**
